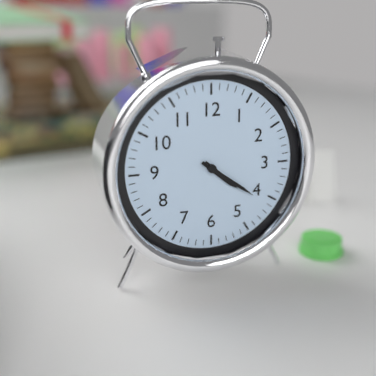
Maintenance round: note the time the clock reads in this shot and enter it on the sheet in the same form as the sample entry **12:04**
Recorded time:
**4:21**
